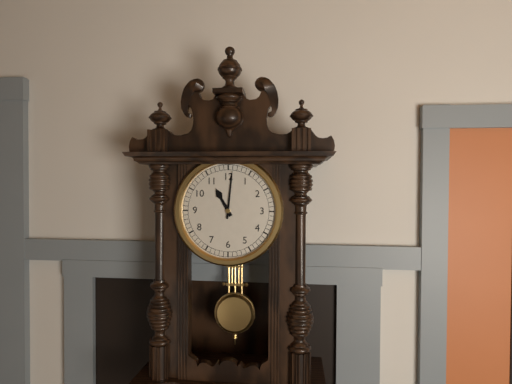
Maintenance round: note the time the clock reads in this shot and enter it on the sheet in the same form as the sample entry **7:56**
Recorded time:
**11:01**
